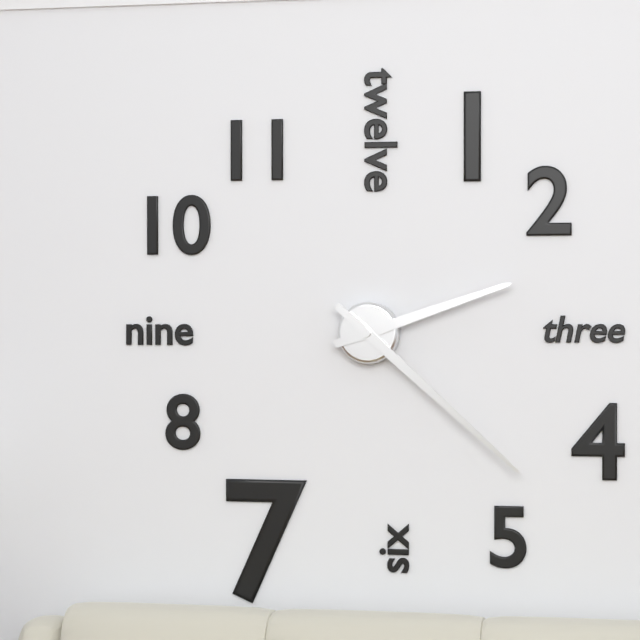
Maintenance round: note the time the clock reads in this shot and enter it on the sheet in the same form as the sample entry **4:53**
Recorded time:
**2:22**
